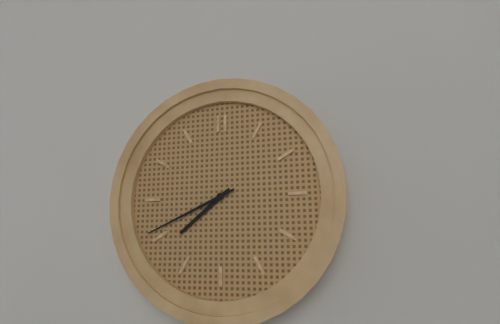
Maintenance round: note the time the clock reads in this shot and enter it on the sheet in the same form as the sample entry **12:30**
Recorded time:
**7:41**
